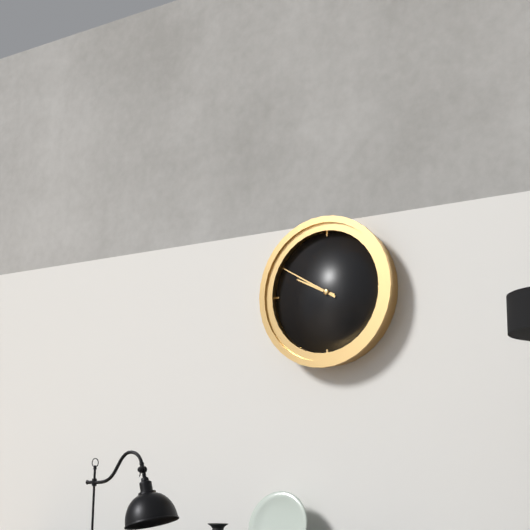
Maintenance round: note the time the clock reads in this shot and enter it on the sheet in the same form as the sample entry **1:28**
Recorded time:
**9:50**
